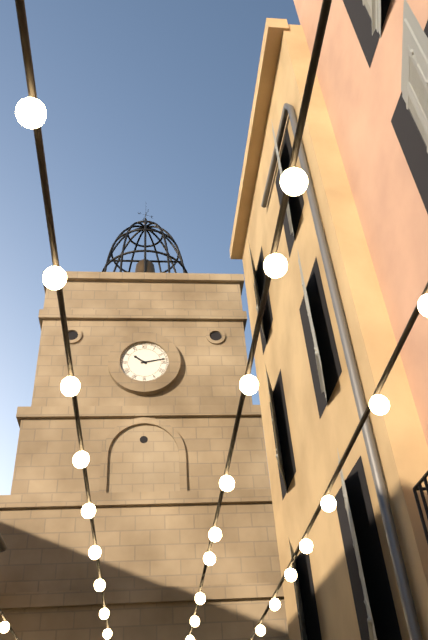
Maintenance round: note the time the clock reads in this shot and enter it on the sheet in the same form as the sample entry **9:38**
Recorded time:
**10:13**
